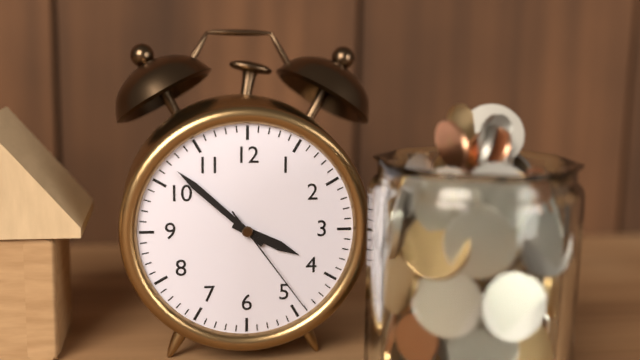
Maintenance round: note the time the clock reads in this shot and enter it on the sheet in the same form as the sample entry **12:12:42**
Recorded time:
**3:52:24**
